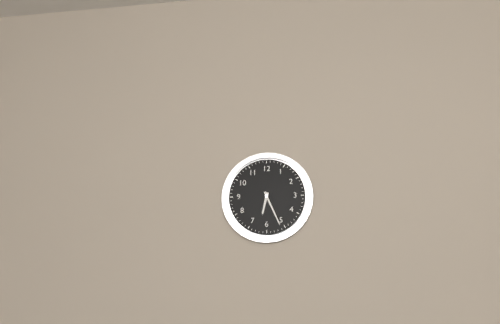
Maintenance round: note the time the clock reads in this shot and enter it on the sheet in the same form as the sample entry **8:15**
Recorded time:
**6:26**
